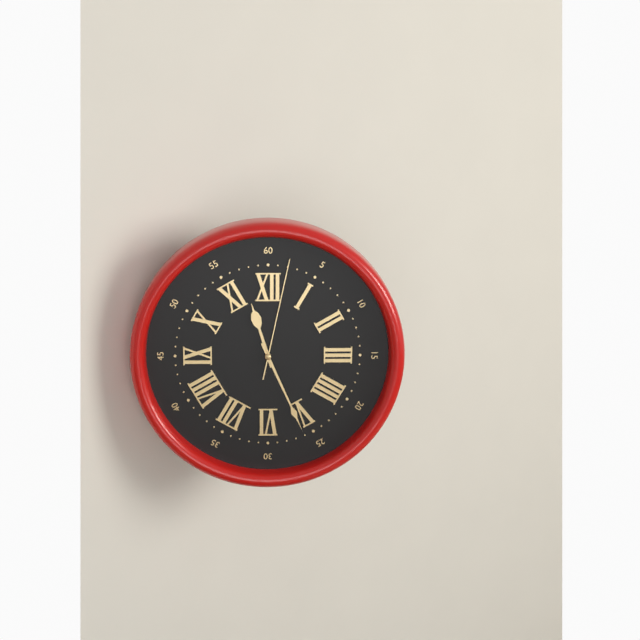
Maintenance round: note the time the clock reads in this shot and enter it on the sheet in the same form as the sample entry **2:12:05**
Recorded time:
**11:26:02**
